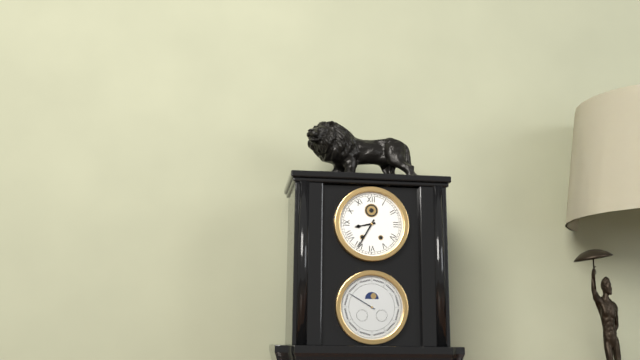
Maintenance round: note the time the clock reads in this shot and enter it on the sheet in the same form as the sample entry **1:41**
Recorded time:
**8:35**
